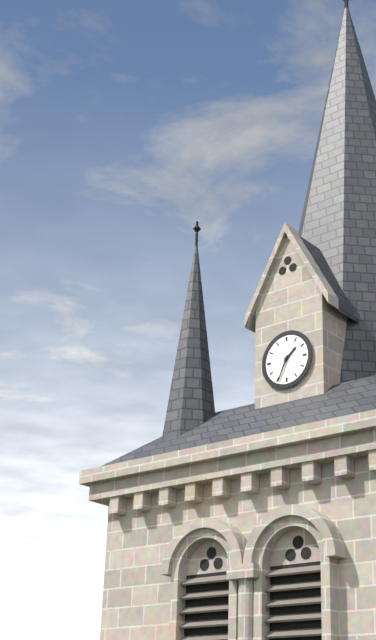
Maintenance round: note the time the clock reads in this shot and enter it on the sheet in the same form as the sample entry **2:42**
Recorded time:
**1:34**
